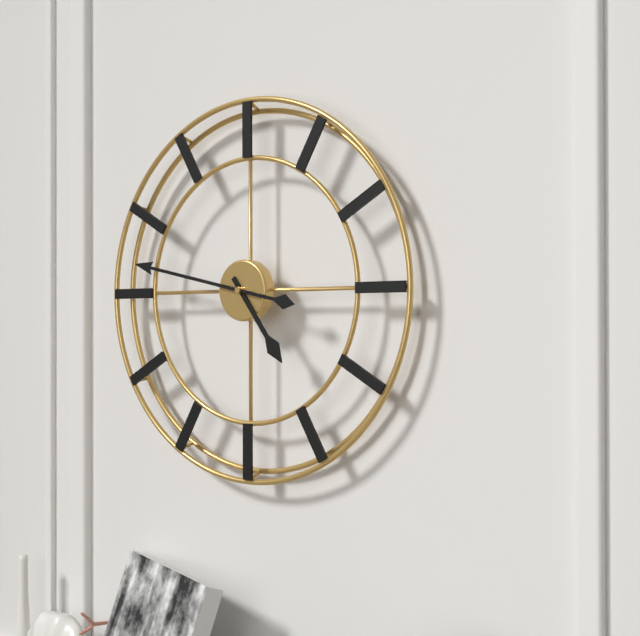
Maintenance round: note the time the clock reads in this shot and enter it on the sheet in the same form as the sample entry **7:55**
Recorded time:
**4:47**
